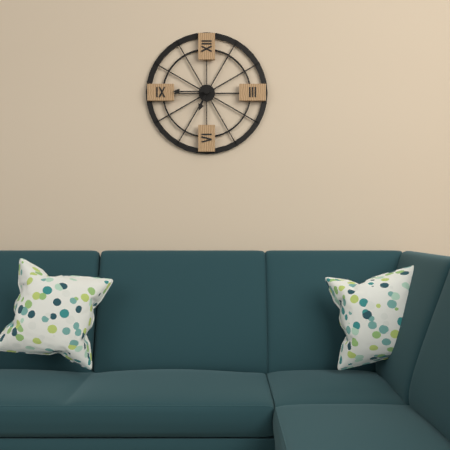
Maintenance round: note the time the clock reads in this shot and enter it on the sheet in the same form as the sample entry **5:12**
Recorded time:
**6:45**
